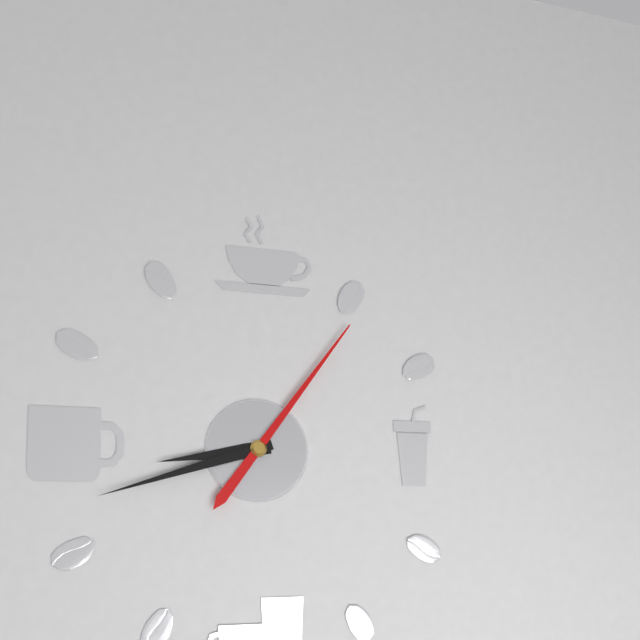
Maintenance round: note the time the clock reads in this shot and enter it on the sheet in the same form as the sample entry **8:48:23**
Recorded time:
**8:42:06**
